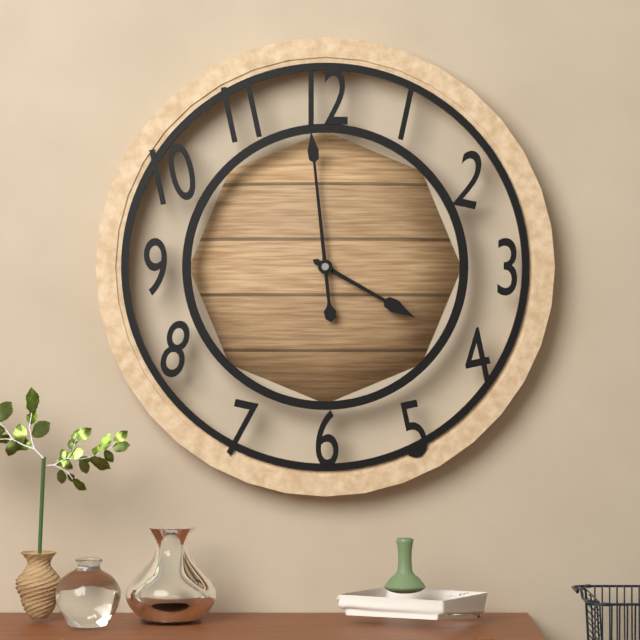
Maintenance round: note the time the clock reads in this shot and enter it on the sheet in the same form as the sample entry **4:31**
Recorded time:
**3:59**
